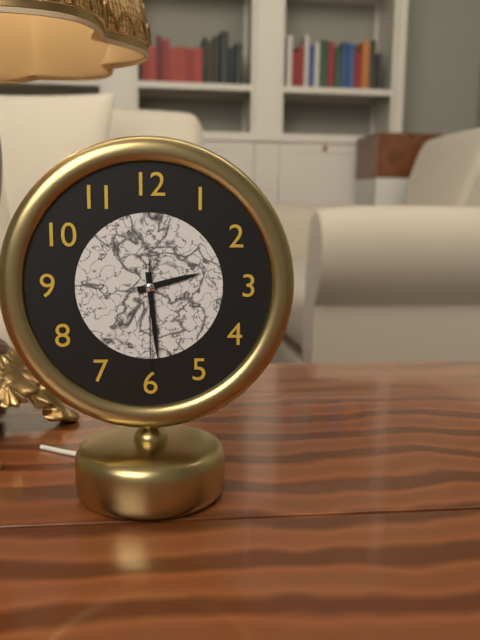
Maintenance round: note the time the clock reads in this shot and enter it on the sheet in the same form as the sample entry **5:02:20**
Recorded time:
**2:29:30**
